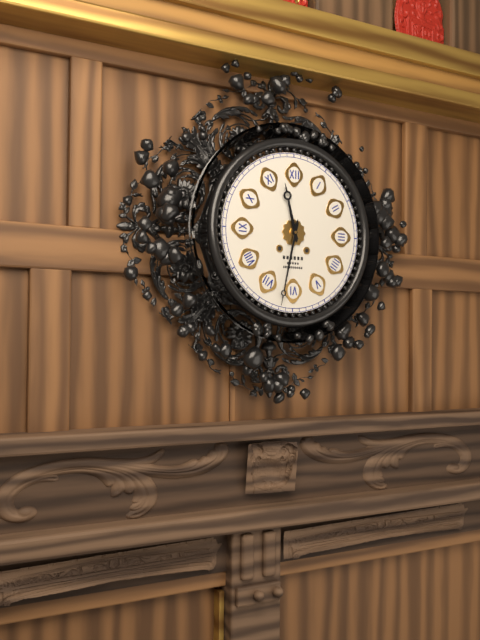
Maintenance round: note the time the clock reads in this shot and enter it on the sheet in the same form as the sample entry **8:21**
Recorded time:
**11:32**
